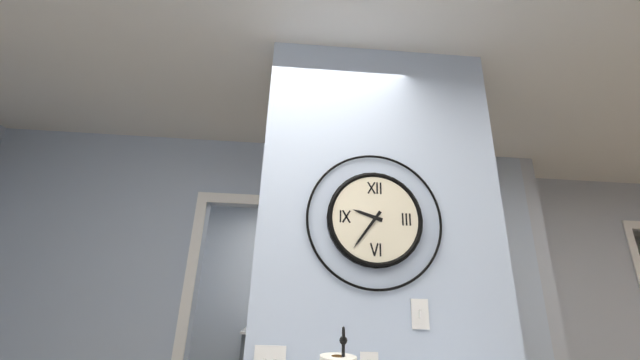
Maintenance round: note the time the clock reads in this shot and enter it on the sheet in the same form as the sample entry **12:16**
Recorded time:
**9:36**
